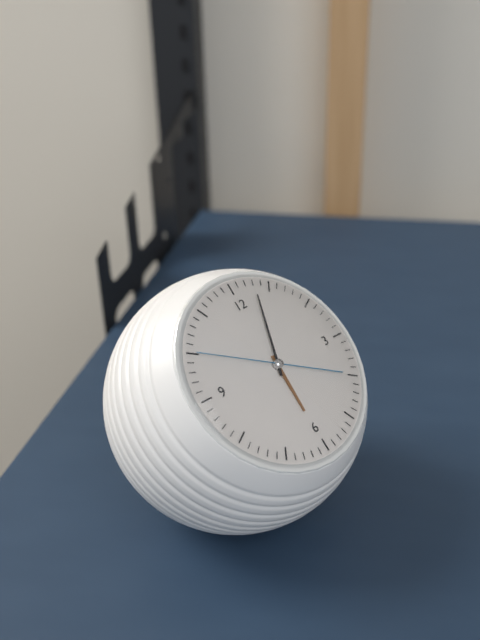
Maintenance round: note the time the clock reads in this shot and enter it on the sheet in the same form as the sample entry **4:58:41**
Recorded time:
**6:03:50**
